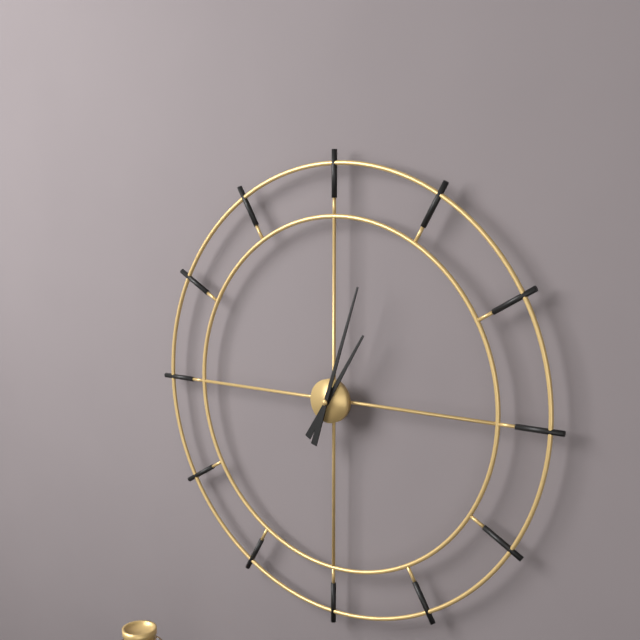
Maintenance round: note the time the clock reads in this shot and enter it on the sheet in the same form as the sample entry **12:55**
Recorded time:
**1:03**
